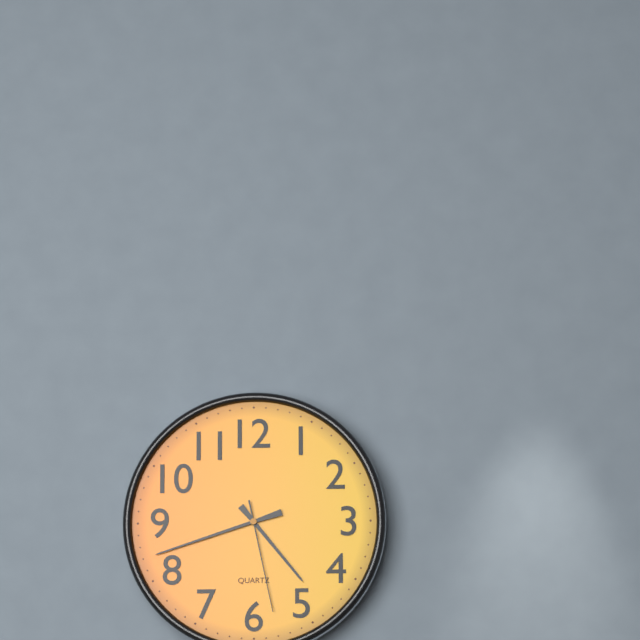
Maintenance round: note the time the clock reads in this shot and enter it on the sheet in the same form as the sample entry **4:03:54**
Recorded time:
**4:42:28**
